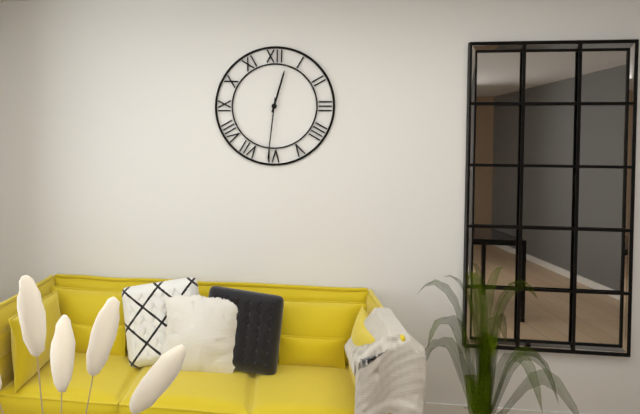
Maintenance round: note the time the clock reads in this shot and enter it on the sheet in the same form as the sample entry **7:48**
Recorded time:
**12:31**
